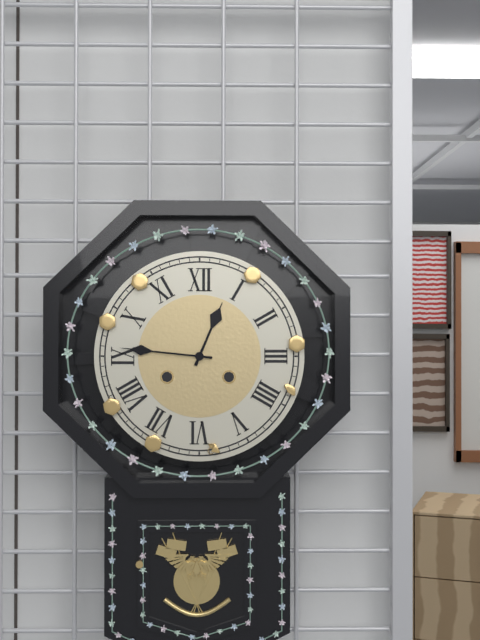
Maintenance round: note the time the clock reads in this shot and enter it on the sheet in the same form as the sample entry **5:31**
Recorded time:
**12:46**
